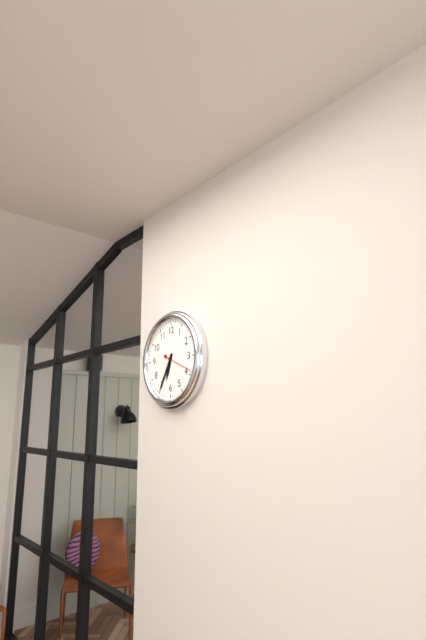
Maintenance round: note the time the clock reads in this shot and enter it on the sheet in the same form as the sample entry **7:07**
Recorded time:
**6:35**
